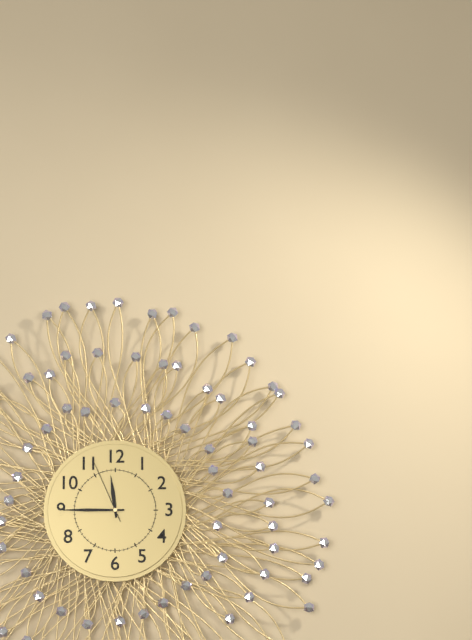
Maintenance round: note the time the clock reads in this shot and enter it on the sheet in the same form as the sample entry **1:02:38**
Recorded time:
**11:45:56**
